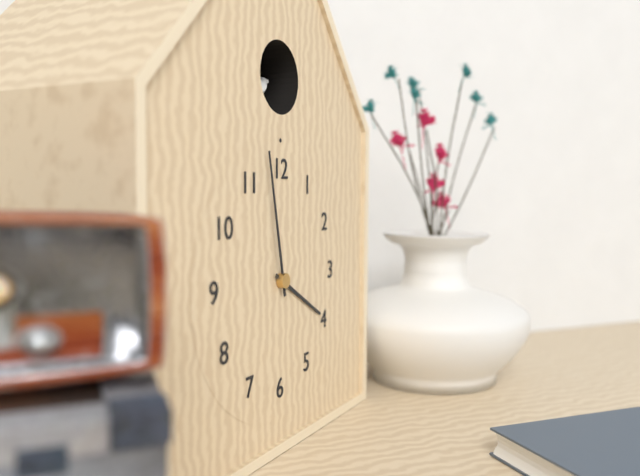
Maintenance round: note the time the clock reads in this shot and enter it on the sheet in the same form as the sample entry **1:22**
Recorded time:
**3:58**
